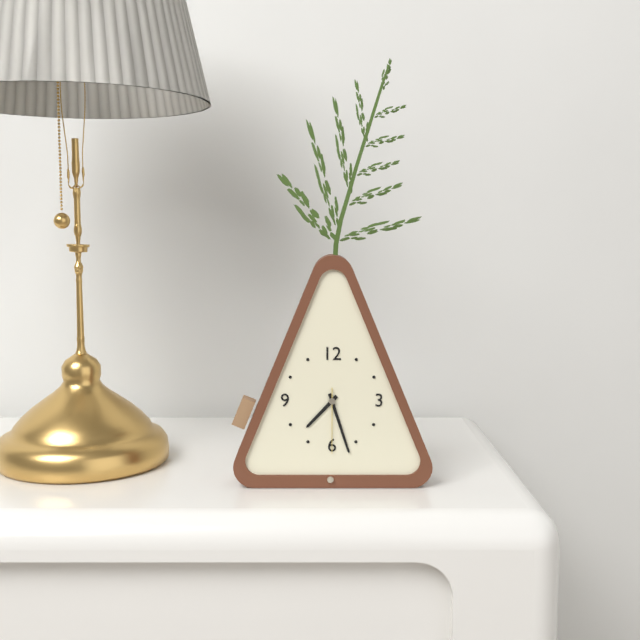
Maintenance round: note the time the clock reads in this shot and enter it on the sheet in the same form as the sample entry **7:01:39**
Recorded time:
**7:27:30**
